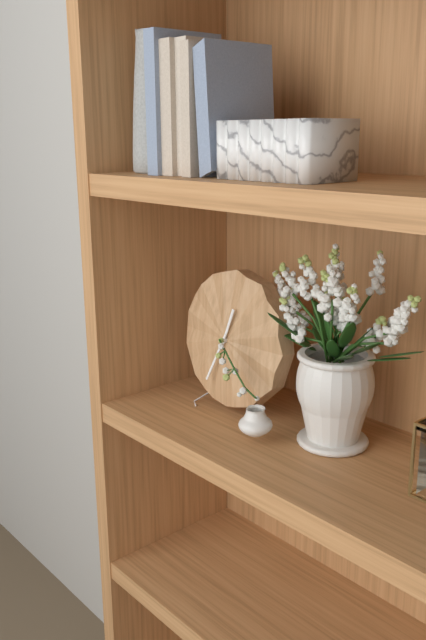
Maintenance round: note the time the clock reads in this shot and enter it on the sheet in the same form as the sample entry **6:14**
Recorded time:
**12:34**
